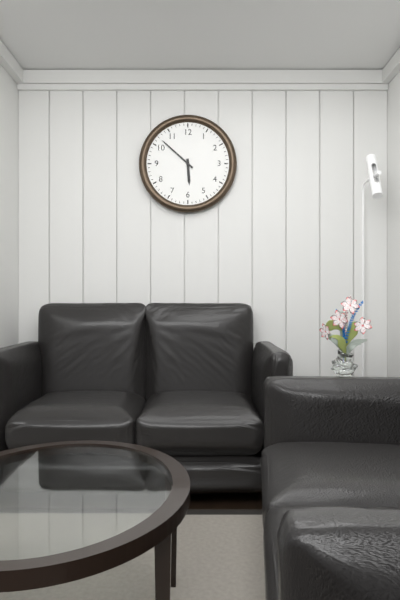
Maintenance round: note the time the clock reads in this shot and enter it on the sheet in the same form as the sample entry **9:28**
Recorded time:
**5:52**
